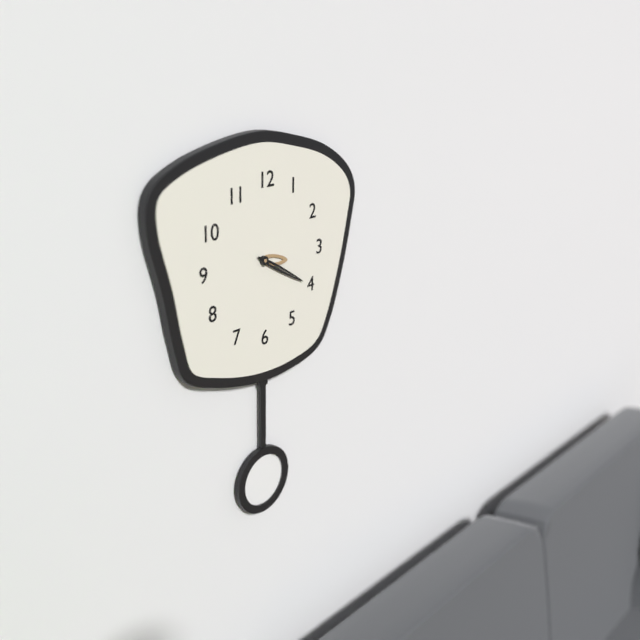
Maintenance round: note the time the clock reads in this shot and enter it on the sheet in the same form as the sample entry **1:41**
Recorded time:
**3:20**
